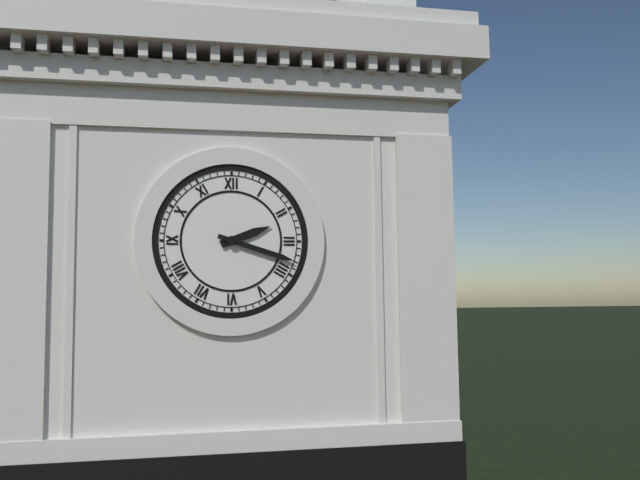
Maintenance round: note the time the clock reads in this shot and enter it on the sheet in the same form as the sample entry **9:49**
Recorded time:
**2:18**
